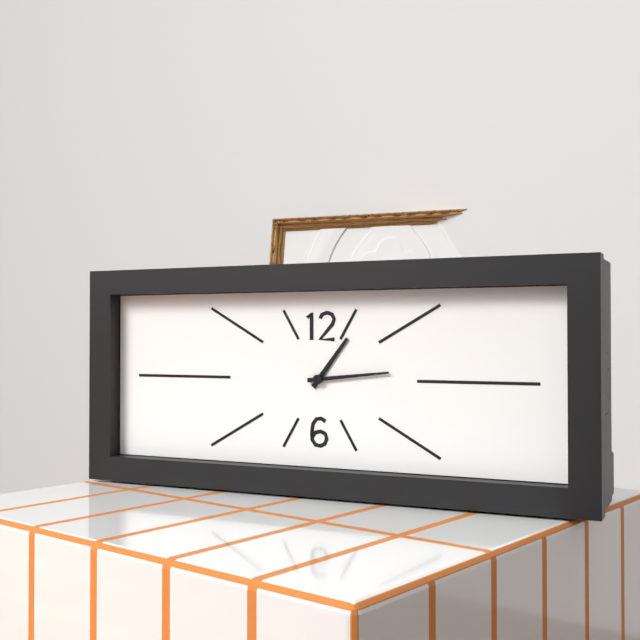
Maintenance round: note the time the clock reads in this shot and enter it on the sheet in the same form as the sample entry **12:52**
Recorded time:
**1:14**
